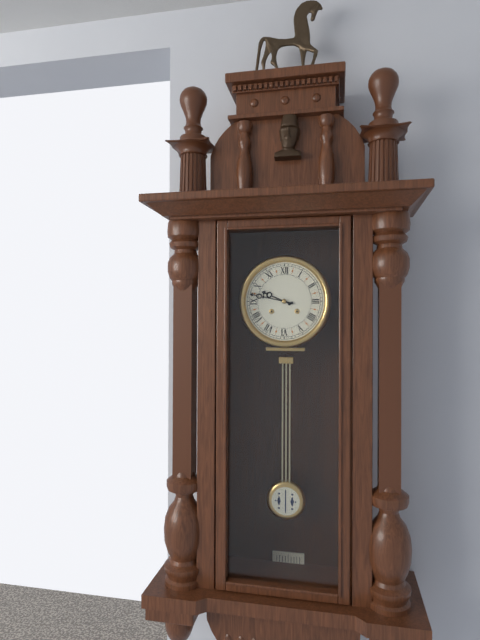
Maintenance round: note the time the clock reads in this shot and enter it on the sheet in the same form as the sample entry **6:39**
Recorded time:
**9:47**
